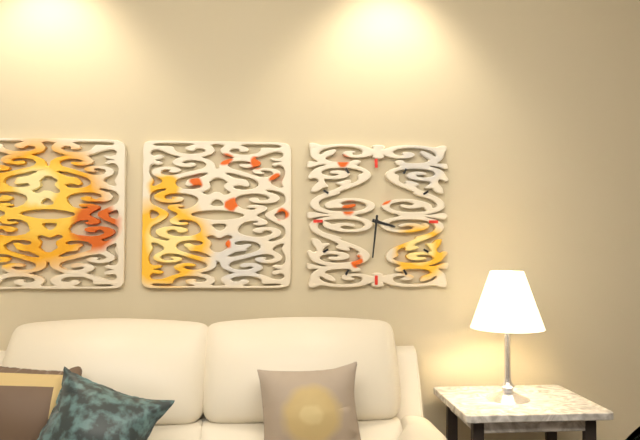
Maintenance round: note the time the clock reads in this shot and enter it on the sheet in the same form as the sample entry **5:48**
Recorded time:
**3:31**
